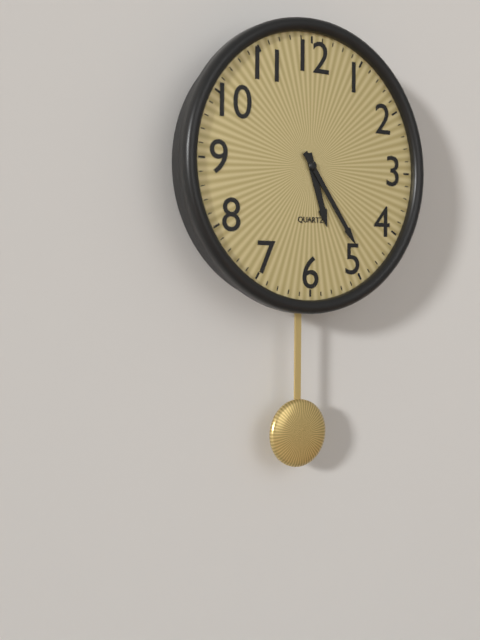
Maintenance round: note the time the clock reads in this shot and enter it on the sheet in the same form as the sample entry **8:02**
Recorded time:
**5:24**
